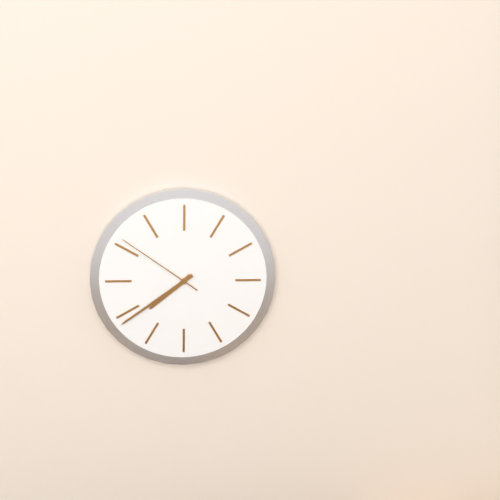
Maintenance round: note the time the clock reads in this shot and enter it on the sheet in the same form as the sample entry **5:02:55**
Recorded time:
**7:39:51**
